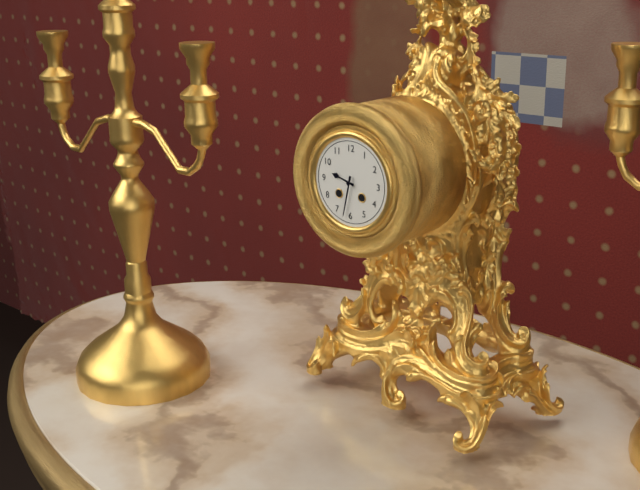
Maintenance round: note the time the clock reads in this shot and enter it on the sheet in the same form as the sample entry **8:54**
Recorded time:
**9:32**
